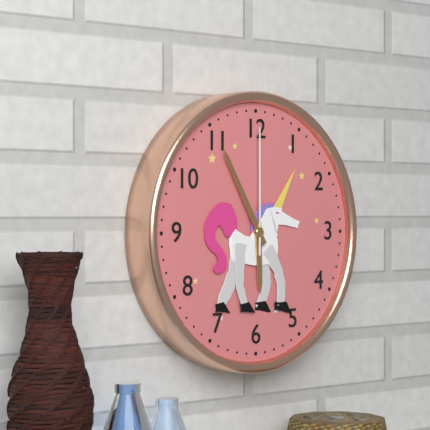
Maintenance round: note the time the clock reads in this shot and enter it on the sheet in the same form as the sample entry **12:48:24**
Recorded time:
**5:55:00**
